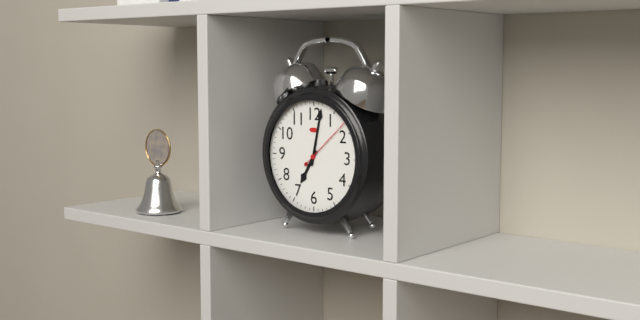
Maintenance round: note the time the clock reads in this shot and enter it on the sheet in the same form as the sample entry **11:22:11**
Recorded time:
**7:02:08**
